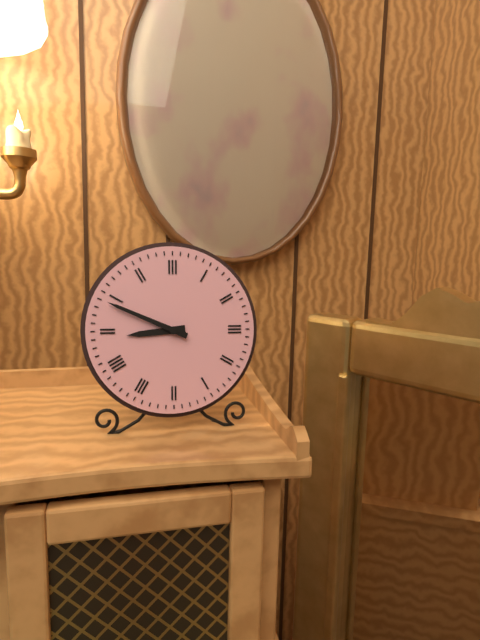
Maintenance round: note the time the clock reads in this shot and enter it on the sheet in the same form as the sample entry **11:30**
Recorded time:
**8:49**
